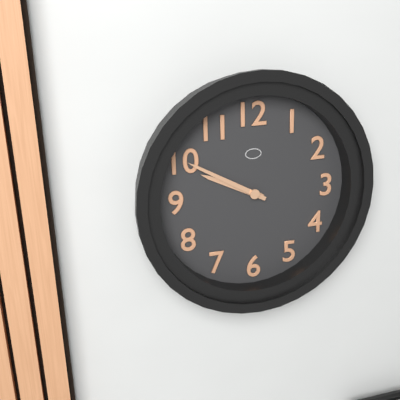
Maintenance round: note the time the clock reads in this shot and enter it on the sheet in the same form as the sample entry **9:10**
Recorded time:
**9:50**
